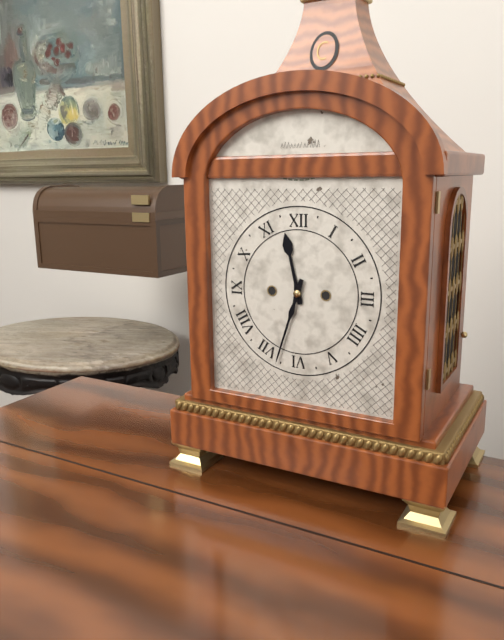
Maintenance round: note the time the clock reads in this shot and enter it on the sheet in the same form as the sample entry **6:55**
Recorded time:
**11:33**
